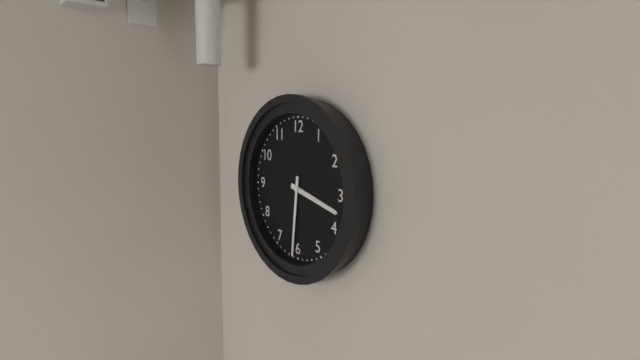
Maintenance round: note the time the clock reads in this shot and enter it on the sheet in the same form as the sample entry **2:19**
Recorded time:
**3:31**
